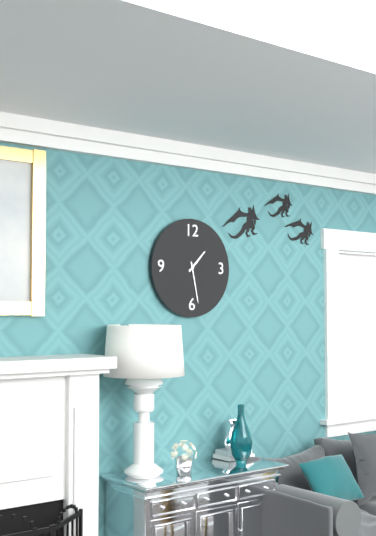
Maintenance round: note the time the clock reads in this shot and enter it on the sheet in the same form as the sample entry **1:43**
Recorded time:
**1:28**
